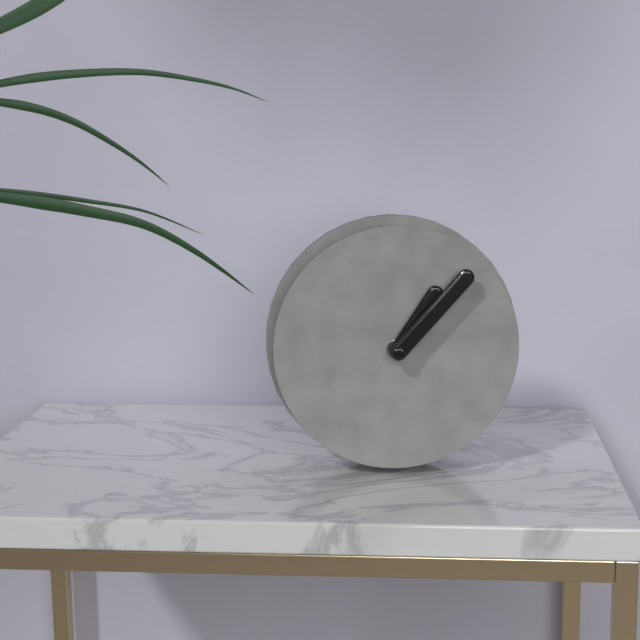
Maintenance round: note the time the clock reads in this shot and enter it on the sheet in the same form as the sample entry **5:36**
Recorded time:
**1:07**
